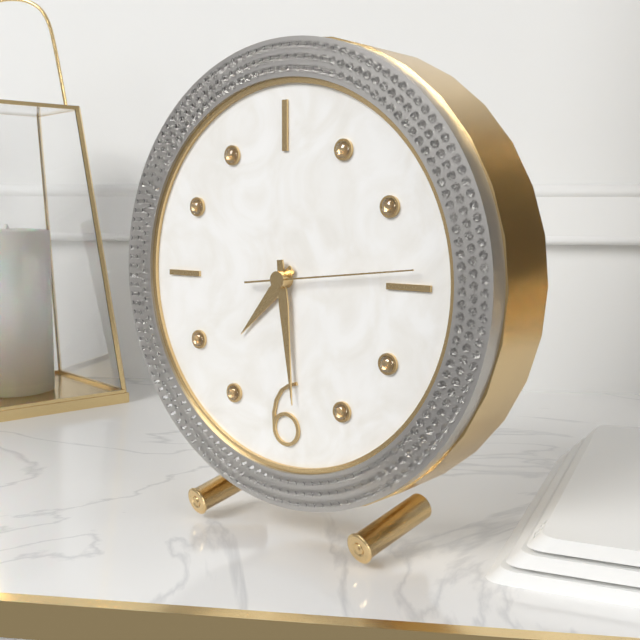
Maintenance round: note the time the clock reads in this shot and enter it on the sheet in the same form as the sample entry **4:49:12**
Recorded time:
**7:29:14**
